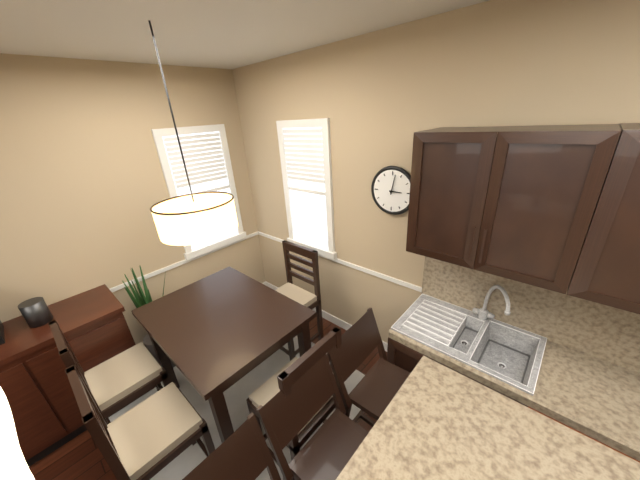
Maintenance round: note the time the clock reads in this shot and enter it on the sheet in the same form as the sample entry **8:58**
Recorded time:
**3:02**
